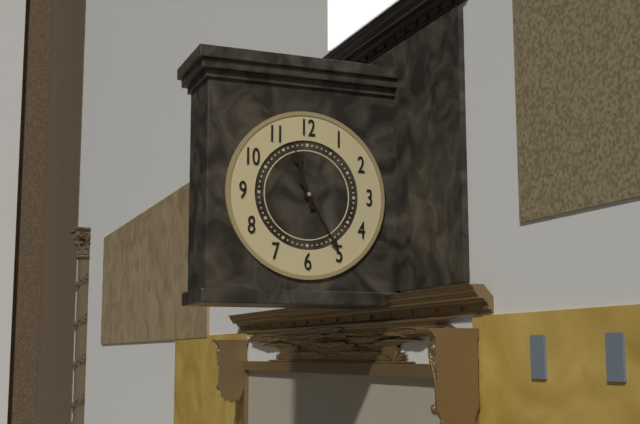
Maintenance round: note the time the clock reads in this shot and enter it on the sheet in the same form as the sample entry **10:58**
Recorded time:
**11:25**
